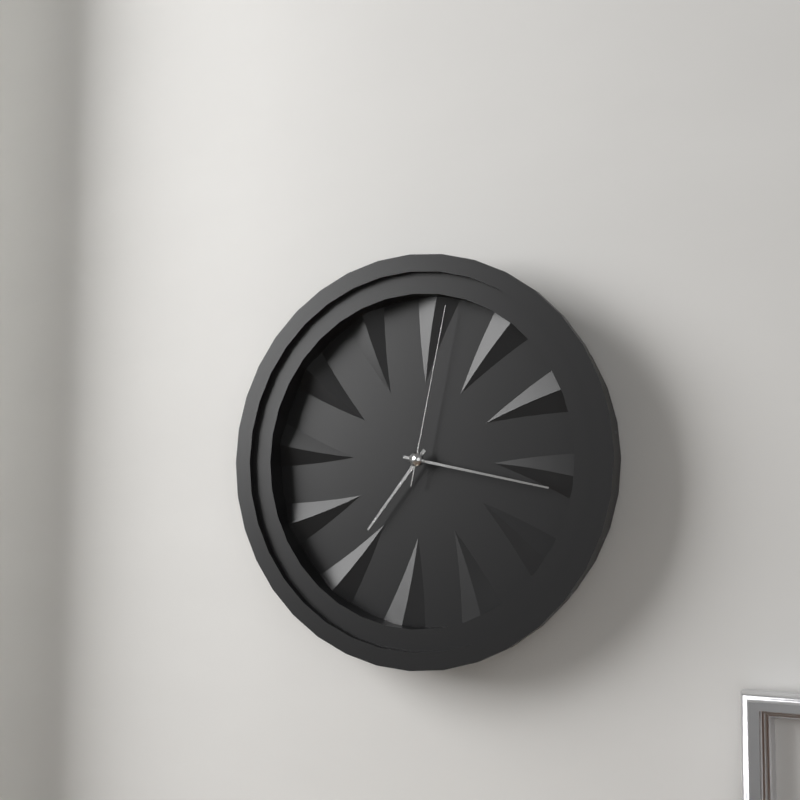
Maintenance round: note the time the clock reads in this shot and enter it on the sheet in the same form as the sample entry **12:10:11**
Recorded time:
**7:17:02**
